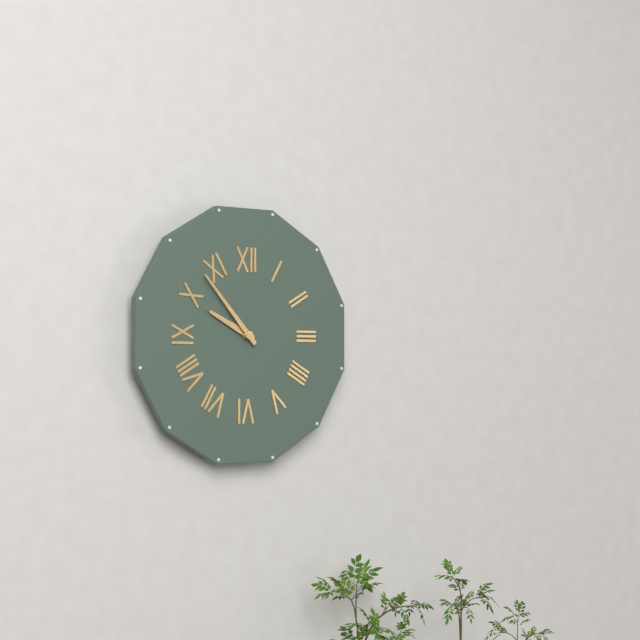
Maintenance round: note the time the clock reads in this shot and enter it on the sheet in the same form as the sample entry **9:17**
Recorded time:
**9:53**
